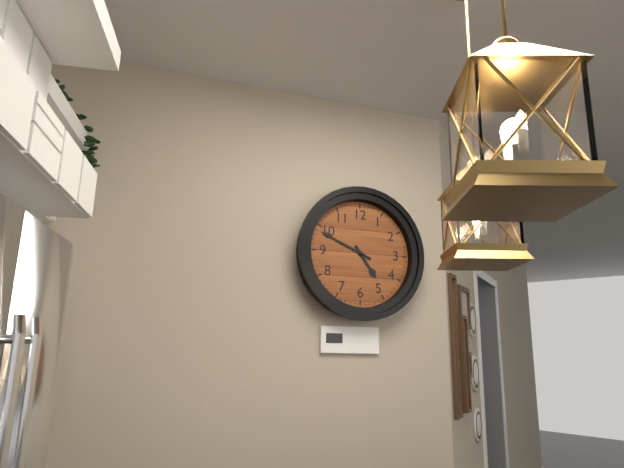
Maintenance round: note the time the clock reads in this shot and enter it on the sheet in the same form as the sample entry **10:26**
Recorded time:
**4:49**
